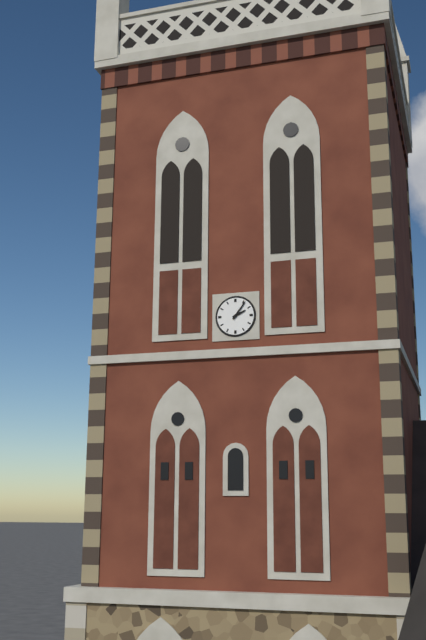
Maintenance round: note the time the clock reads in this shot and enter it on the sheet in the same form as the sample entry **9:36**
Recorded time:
**2:06**
